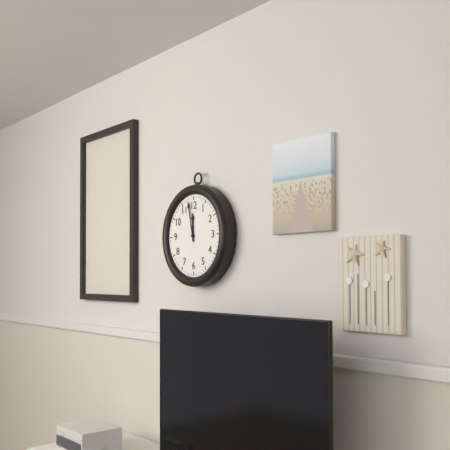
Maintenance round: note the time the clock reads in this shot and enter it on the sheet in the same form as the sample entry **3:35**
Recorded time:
**11:58**
